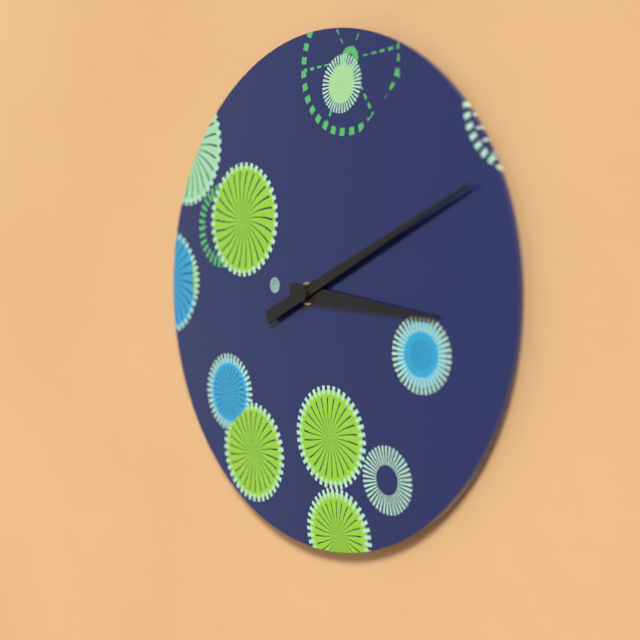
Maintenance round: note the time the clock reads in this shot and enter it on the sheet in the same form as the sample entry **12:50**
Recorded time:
**3:11**
